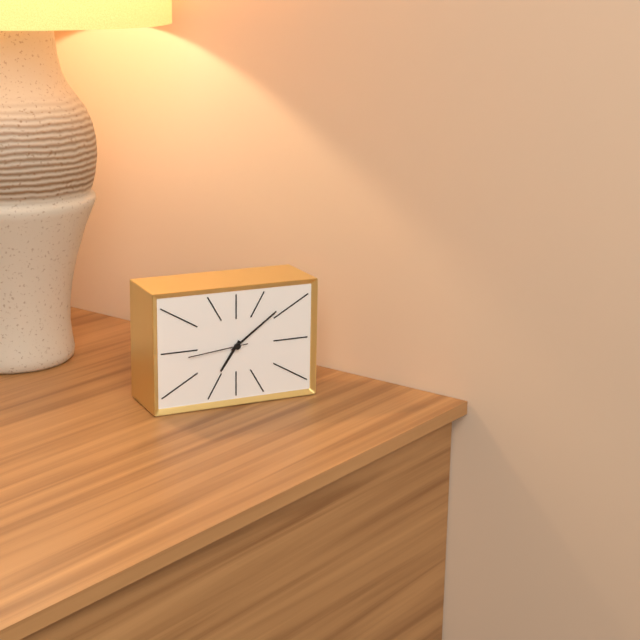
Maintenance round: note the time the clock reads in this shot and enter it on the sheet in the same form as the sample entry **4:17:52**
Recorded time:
**7:09:44**
